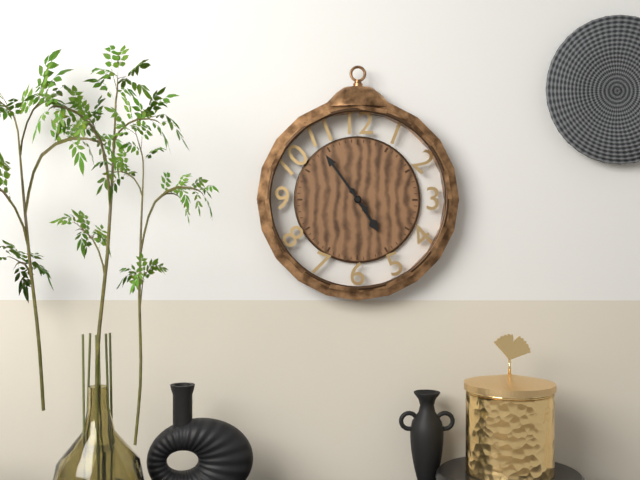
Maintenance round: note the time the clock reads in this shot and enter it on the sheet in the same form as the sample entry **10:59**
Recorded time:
**4:54**
